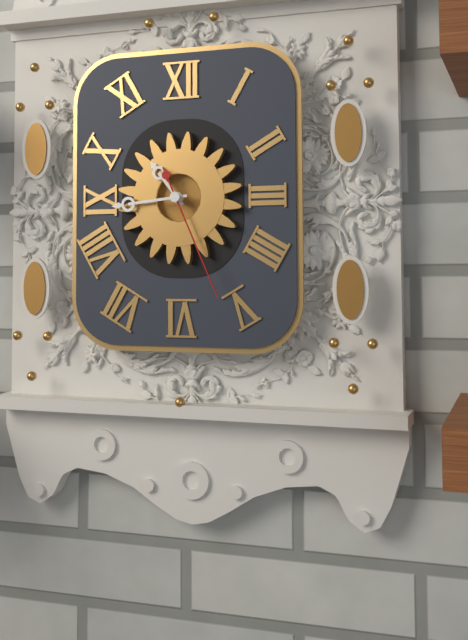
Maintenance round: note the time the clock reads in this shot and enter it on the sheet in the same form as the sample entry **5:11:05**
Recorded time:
**10:44:26**
